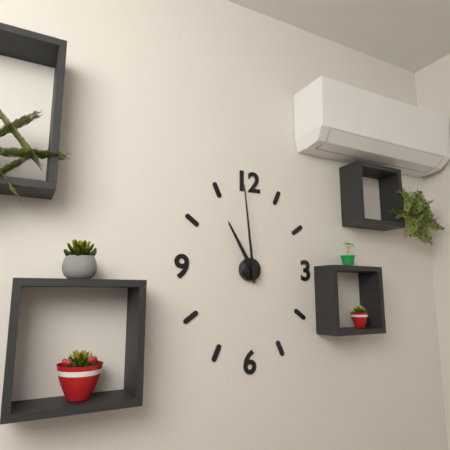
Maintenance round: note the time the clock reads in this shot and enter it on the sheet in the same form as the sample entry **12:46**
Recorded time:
**10:59**
